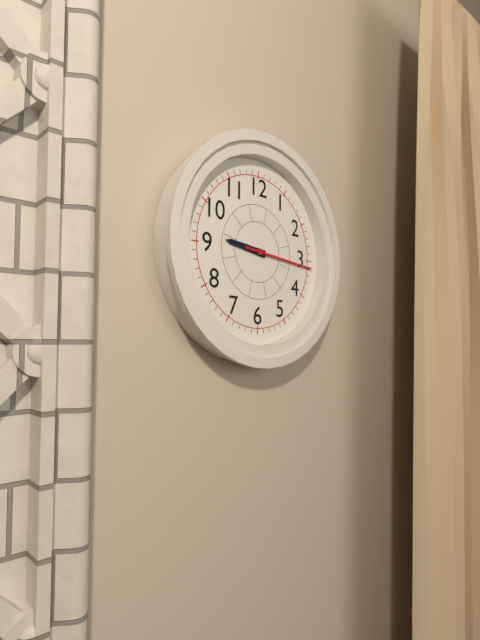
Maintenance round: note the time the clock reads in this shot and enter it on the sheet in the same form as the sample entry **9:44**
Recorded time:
**9:16**
